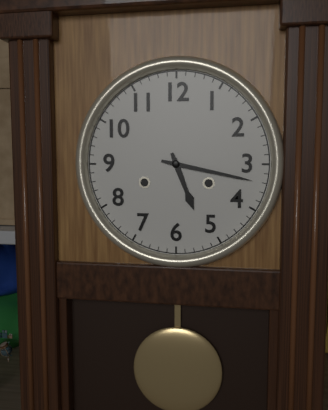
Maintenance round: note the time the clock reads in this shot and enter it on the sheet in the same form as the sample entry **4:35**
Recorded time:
**5:17**
